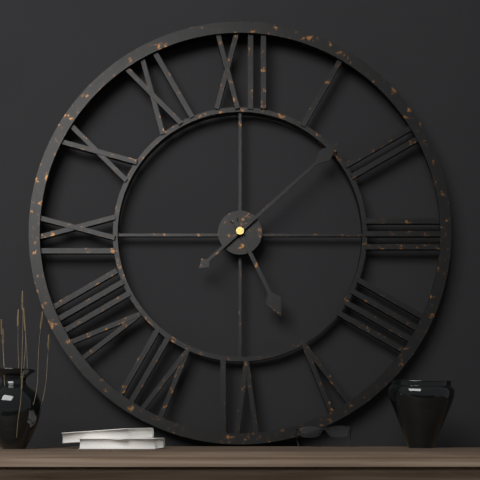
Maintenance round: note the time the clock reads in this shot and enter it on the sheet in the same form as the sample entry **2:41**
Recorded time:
**5:08**
